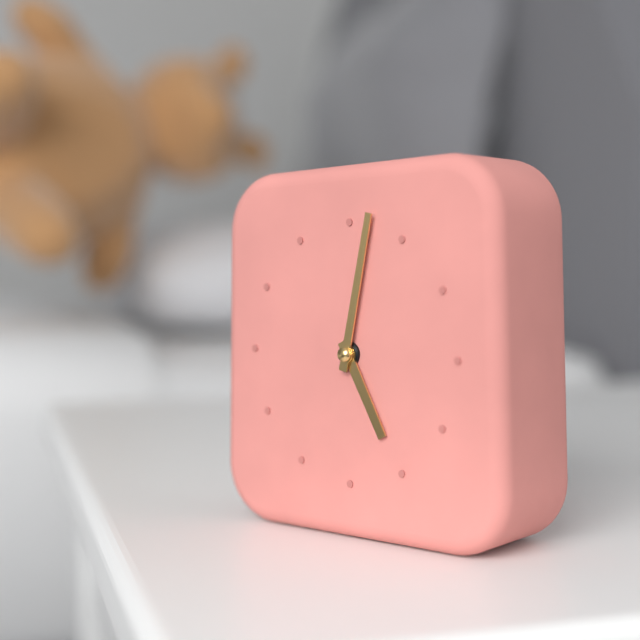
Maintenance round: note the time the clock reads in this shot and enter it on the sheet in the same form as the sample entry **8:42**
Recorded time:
**5:02**
